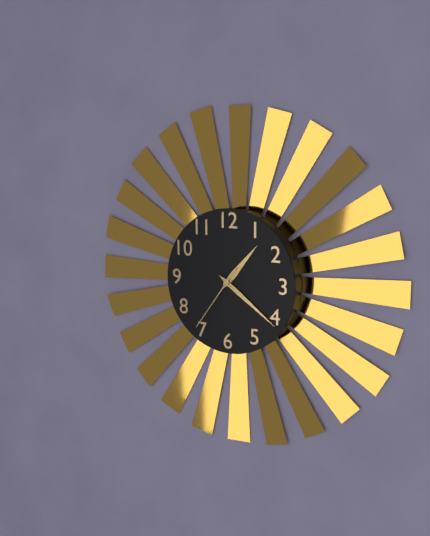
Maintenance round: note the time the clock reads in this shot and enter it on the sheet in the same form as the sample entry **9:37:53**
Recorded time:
**1:21:36**
